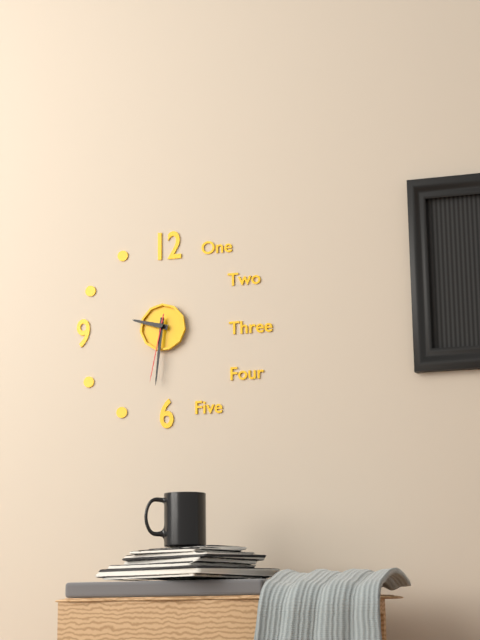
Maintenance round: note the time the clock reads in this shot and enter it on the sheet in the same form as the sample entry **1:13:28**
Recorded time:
**9:31:32**
